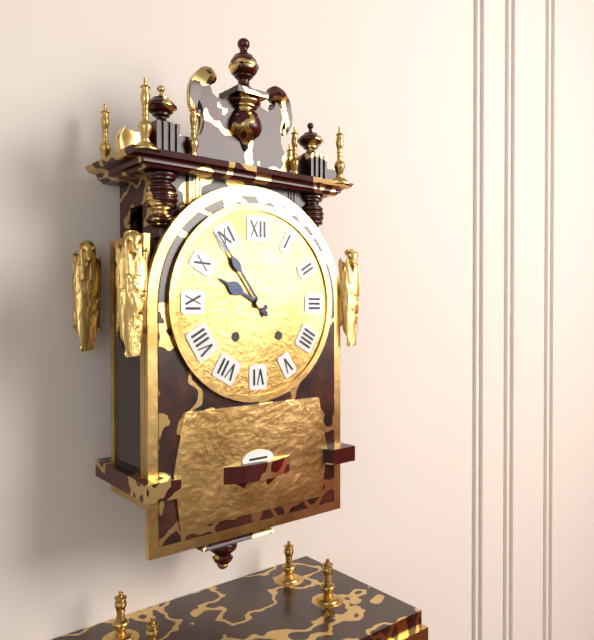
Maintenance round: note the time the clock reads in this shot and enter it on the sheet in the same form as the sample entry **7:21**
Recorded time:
**9:54**
